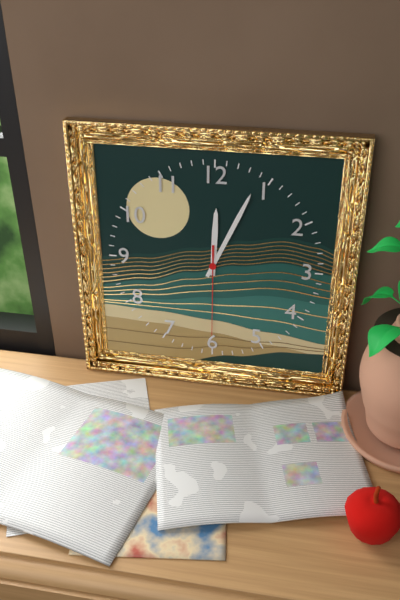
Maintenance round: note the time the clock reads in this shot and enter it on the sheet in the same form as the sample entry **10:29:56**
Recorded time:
**12:04:30**
